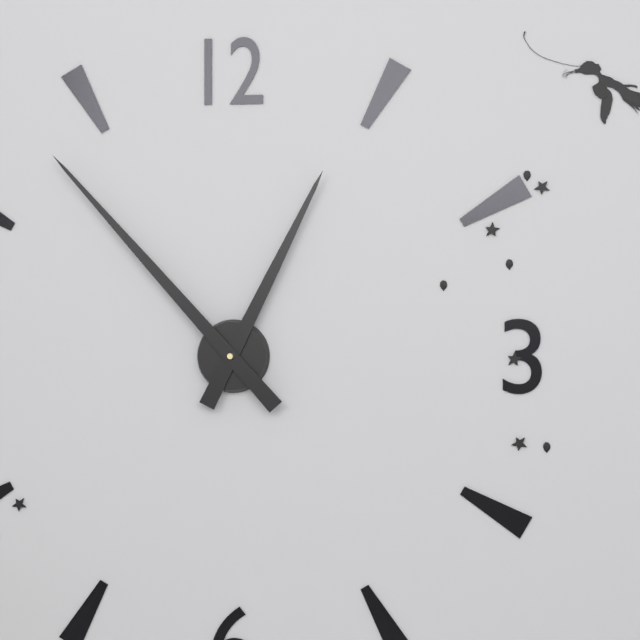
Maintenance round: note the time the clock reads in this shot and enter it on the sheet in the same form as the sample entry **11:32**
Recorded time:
**12:53**
